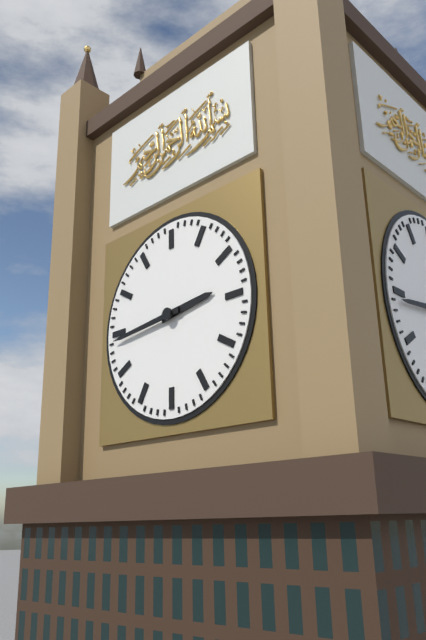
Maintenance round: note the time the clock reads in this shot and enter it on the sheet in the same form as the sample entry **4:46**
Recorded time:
**2:44**
